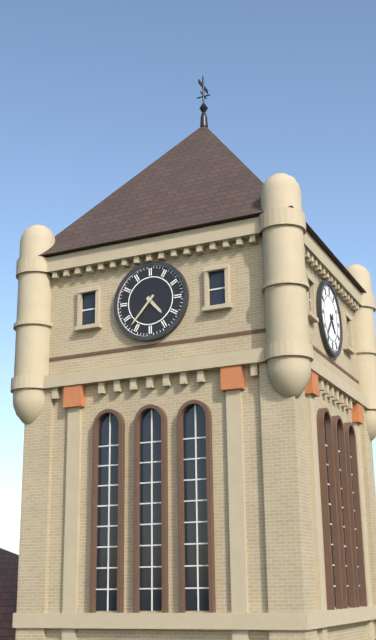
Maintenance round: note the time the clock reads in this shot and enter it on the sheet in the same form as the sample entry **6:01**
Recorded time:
**4:37**
